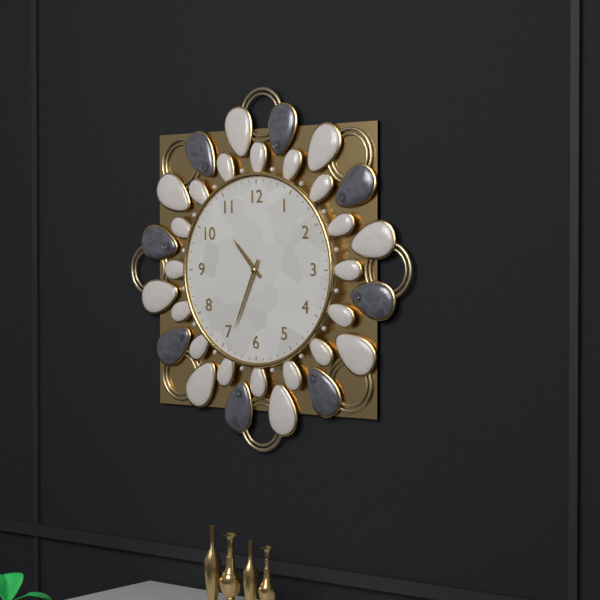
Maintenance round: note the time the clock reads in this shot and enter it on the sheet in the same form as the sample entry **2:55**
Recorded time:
**10:34**
